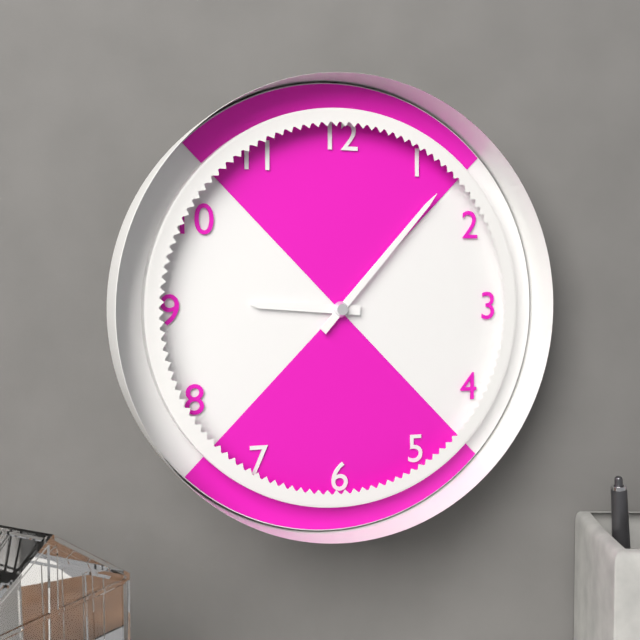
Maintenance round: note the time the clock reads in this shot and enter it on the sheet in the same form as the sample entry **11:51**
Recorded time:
**9:07**
